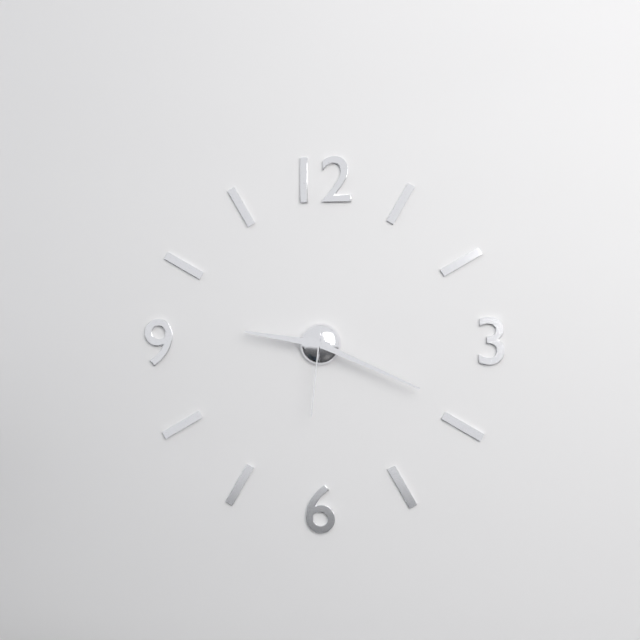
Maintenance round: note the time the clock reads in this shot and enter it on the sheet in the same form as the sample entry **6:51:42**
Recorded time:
**9:19:31**
